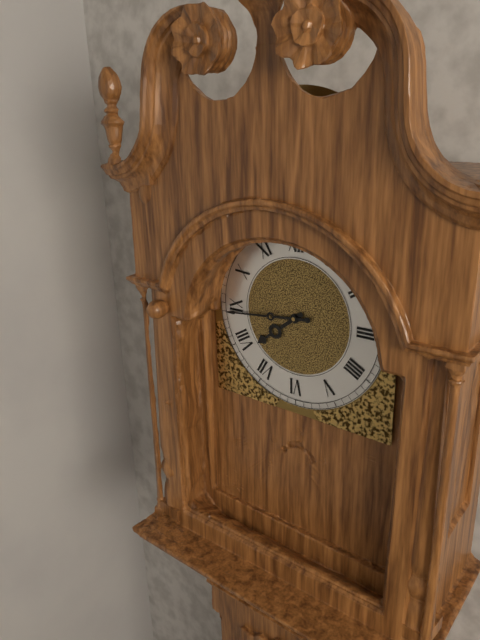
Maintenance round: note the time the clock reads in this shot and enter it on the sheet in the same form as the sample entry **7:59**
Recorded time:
**7:44**
